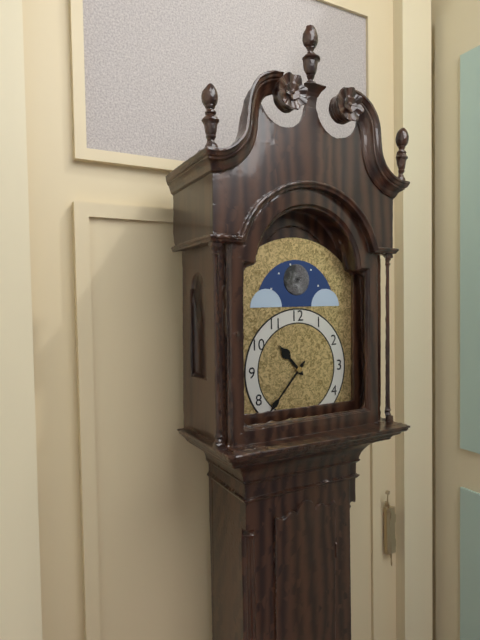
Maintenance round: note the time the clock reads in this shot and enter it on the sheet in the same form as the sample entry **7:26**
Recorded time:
**10:37**
